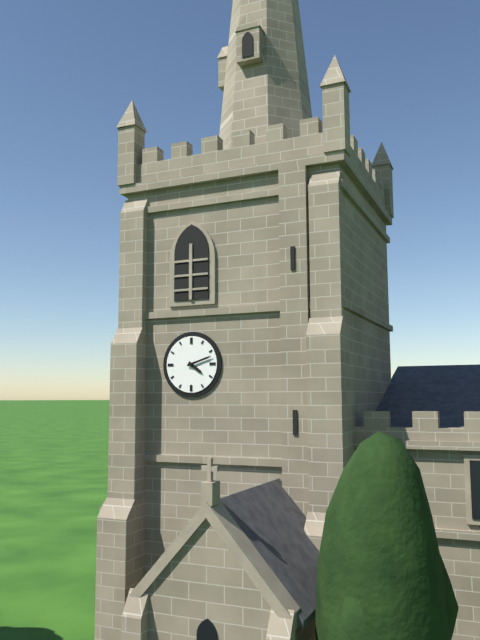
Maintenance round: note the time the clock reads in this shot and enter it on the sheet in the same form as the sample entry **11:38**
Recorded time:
**4:12**
